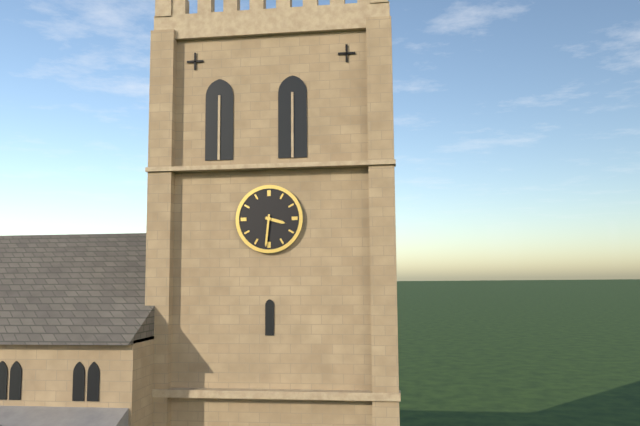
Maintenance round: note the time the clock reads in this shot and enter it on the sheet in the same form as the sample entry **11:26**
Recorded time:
**3:31**
